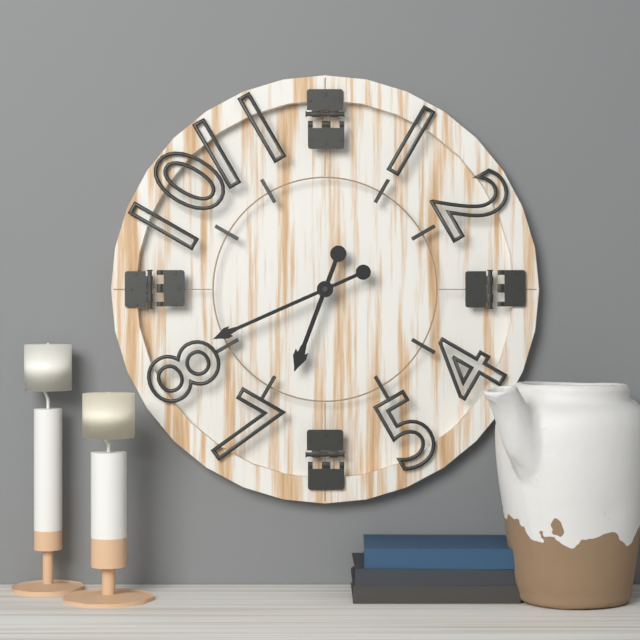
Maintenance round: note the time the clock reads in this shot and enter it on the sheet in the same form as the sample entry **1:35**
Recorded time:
**6:41**
